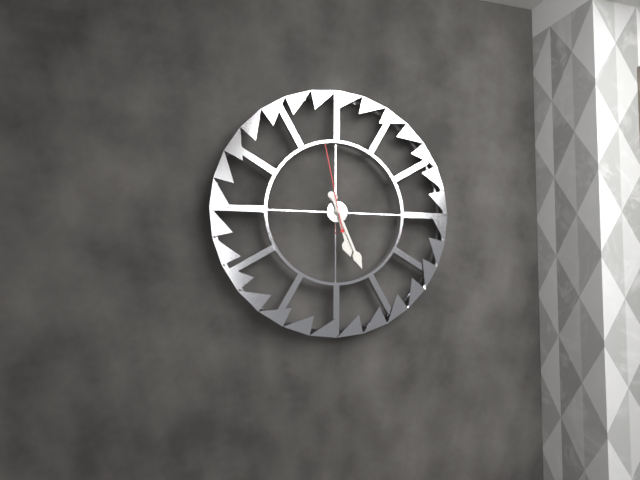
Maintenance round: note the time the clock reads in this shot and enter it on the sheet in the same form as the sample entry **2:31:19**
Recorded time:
**5:26:58**
